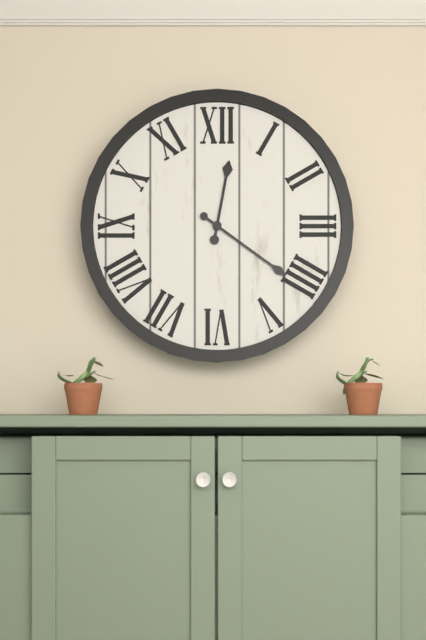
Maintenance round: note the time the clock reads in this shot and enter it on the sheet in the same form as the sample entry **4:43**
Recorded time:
**12:21**
